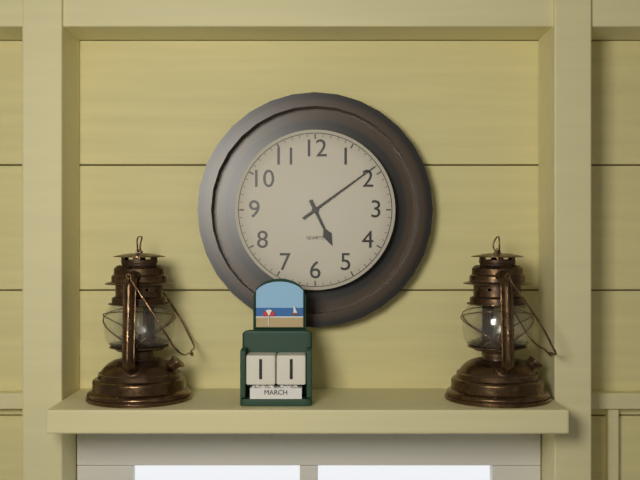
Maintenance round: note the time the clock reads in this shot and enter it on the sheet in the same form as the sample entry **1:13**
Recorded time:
**5:09**
